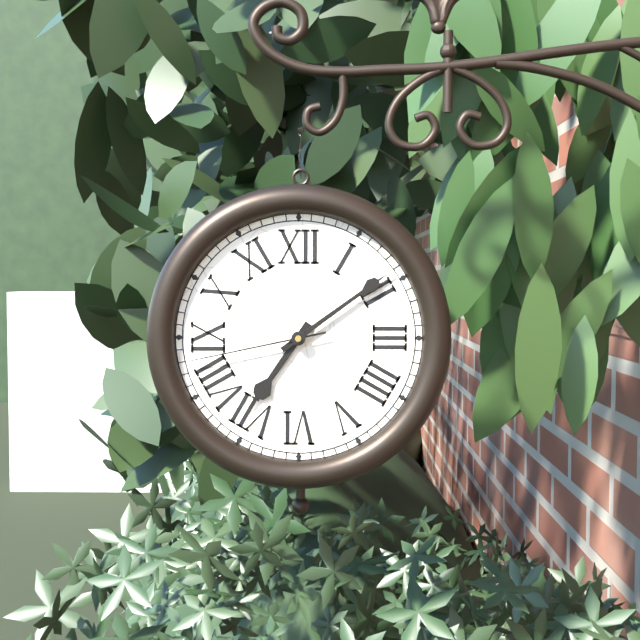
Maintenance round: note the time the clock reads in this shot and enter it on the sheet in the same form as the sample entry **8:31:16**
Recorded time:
**7:09:43**
